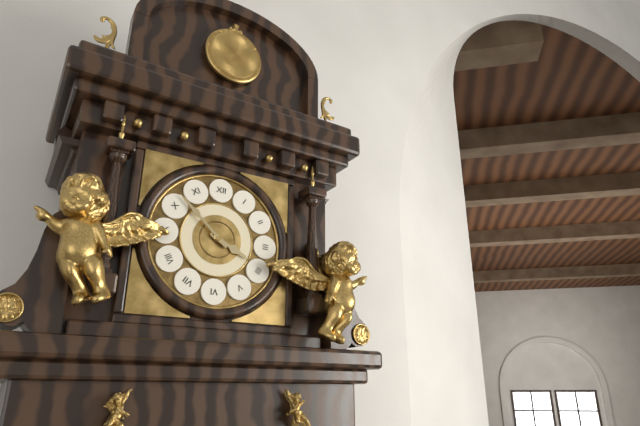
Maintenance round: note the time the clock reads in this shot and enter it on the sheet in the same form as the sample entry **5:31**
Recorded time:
**3:52**
